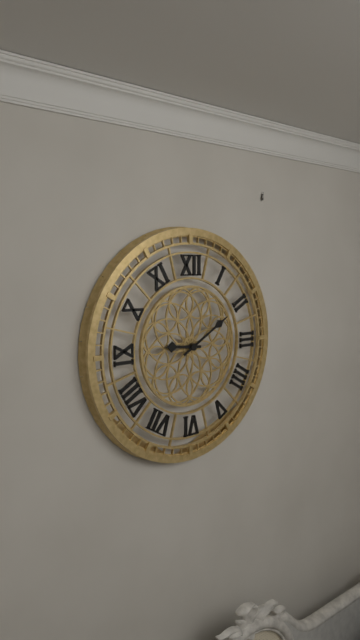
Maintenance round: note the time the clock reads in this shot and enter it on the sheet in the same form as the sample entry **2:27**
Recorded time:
**9:10**
